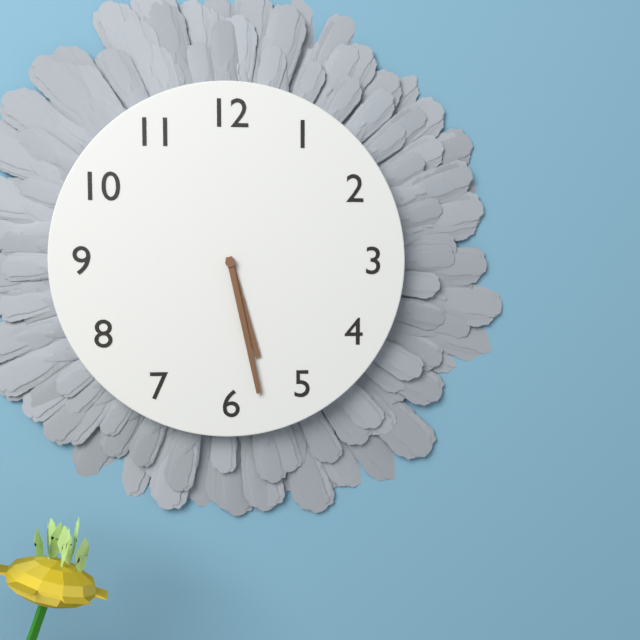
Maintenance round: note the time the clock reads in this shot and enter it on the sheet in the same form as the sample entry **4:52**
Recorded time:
**5:28**
